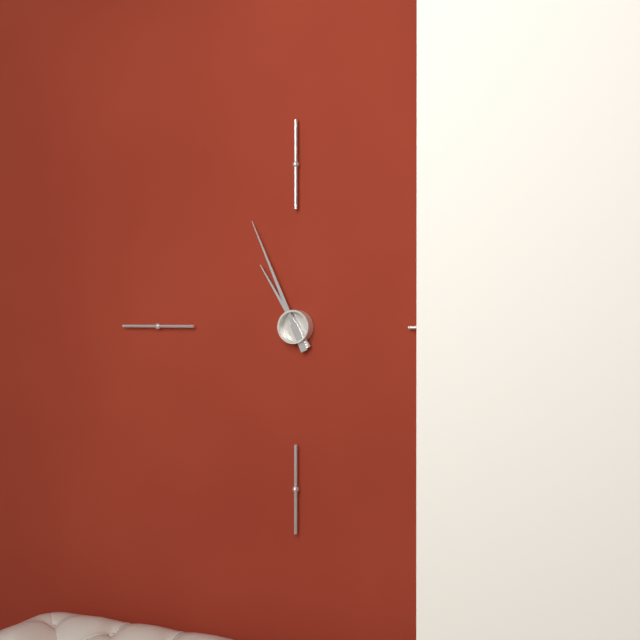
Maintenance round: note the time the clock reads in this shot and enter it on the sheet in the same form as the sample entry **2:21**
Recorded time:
**10:56**
